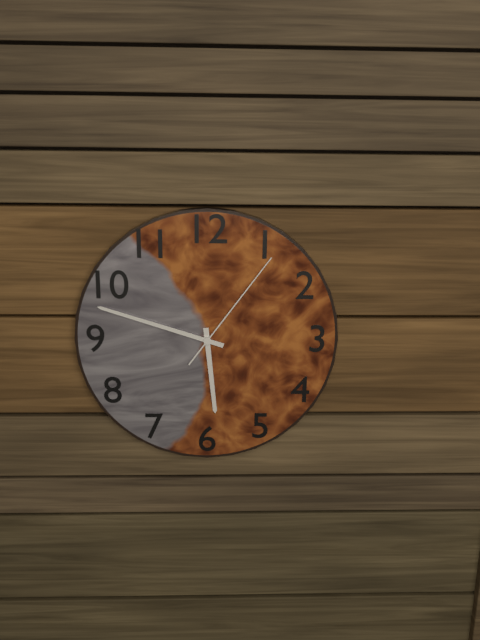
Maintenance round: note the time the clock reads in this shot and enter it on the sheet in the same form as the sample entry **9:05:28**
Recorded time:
**5:48:06**
